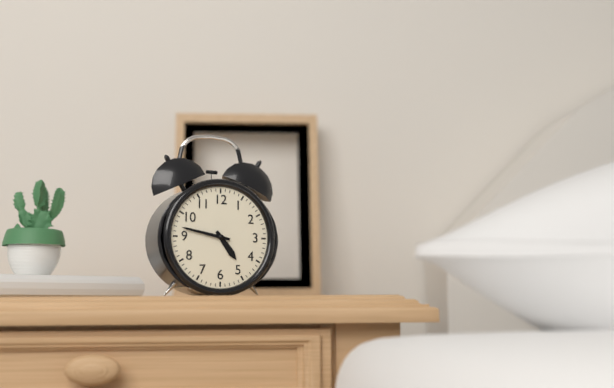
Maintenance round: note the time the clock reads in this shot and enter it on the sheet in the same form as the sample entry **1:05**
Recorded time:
**4:47**
